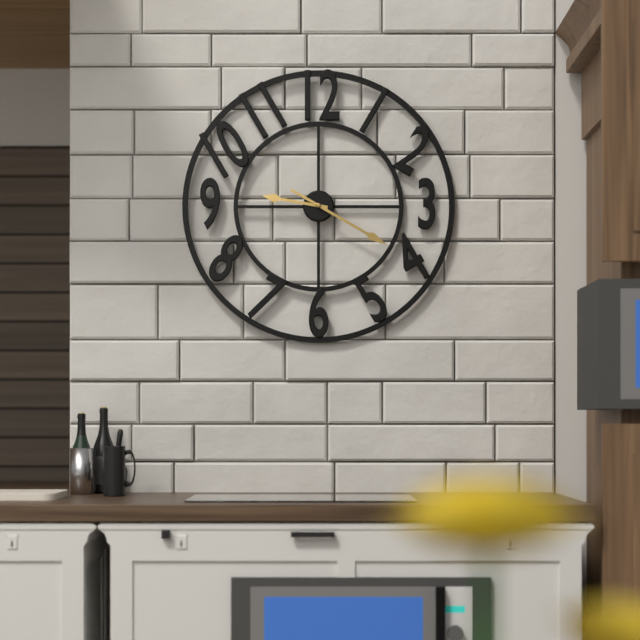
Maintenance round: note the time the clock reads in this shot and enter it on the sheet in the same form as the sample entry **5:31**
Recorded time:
**9:20**
